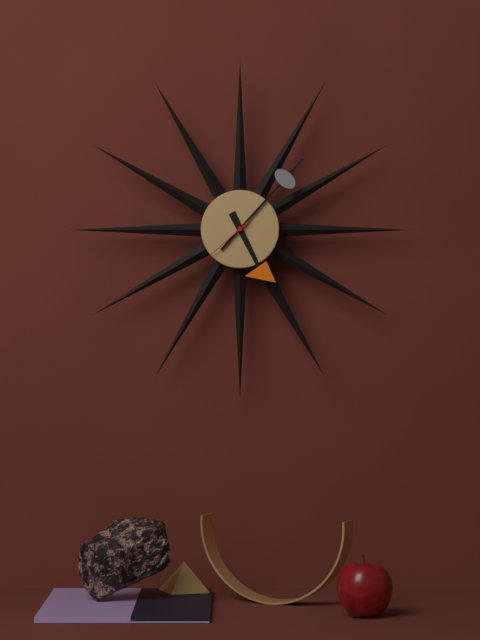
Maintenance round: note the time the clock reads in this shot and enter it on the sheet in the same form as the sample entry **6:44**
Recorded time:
**5:07**
